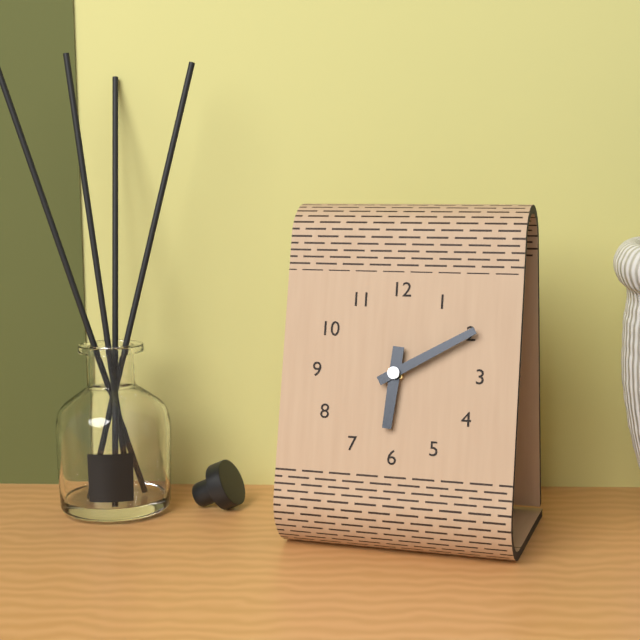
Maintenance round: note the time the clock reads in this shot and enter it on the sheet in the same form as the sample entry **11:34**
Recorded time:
**6:10**
